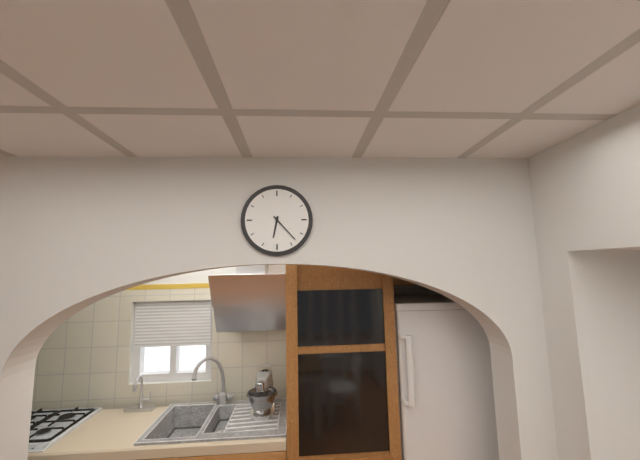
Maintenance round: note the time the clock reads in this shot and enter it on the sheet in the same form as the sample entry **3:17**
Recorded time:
**6:23**
